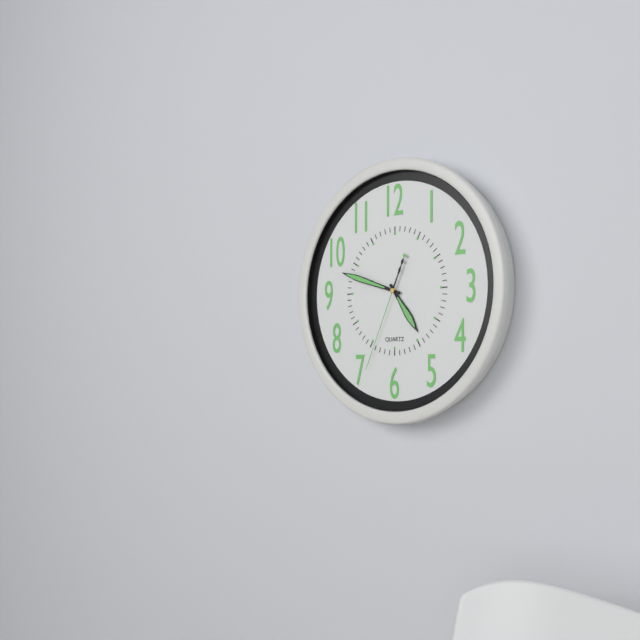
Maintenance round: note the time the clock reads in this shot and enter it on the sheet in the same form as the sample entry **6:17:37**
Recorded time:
**4:48:34**
